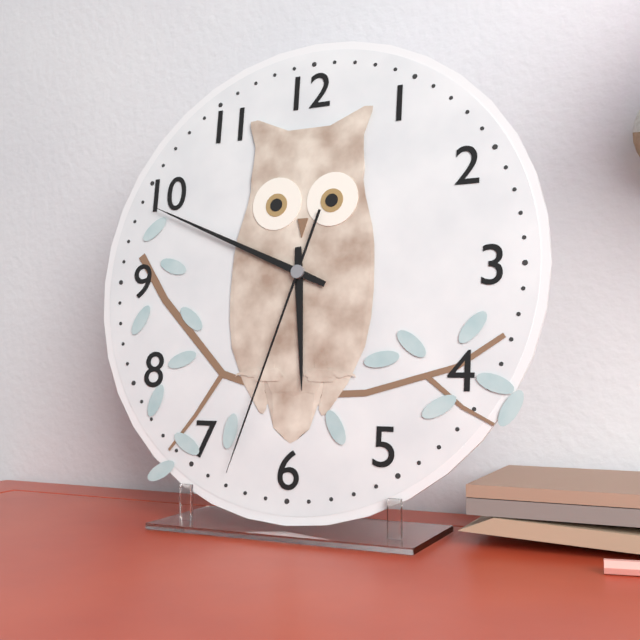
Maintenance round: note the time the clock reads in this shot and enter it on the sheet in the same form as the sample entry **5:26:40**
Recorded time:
**5:49:33**
